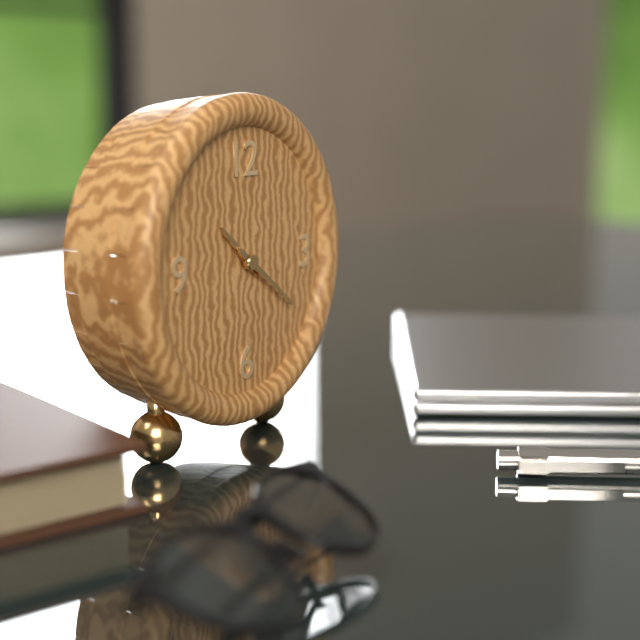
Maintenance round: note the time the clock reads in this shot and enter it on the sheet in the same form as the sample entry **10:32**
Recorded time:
**10:21**
